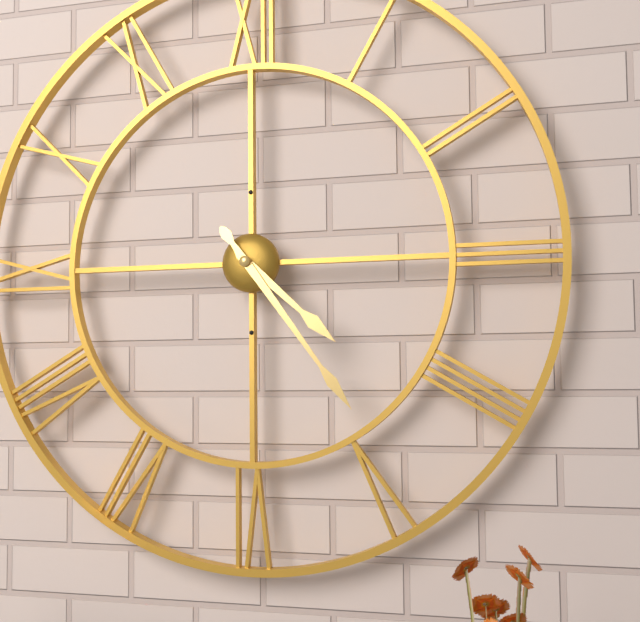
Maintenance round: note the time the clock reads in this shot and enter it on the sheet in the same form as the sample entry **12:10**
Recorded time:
**4:24**
